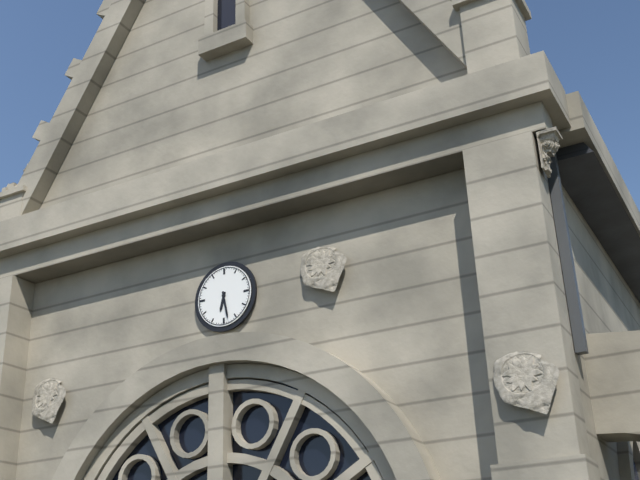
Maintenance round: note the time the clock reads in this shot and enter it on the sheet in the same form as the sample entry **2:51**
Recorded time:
**6:28**
